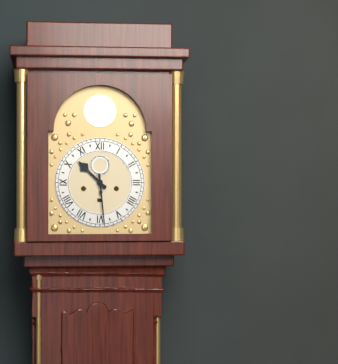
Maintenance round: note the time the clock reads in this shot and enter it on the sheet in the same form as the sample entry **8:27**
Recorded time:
**10:29**
